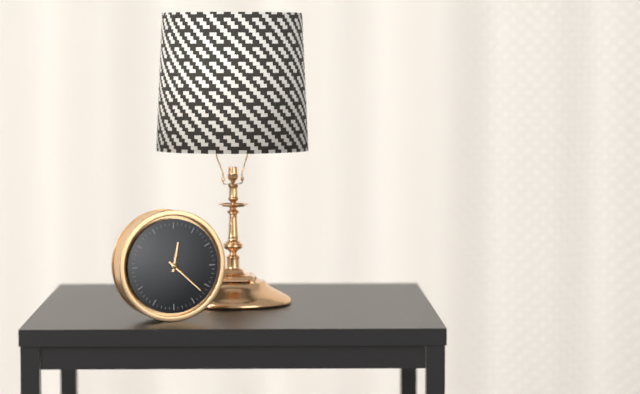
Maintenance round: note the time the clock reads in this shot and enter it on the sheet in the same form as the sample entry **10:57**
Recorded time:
**12:22**
